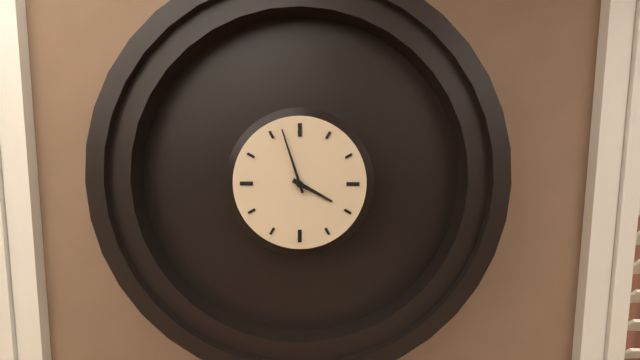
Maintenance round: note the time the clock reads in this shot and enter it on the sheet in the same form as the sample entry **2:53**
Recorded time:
**3:57**
